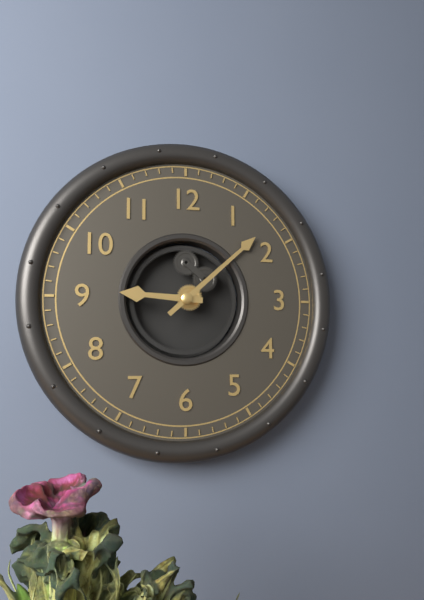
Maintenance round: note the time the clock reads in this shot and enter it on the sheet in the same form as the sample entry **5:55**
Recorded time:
**9:08**
